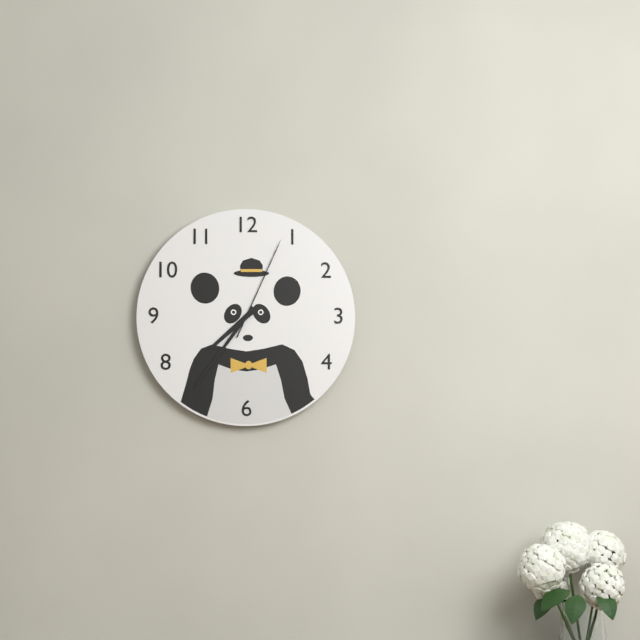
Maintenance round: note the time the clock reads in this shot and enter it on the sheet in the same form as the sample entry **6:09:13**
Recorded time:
**7:36:04**
